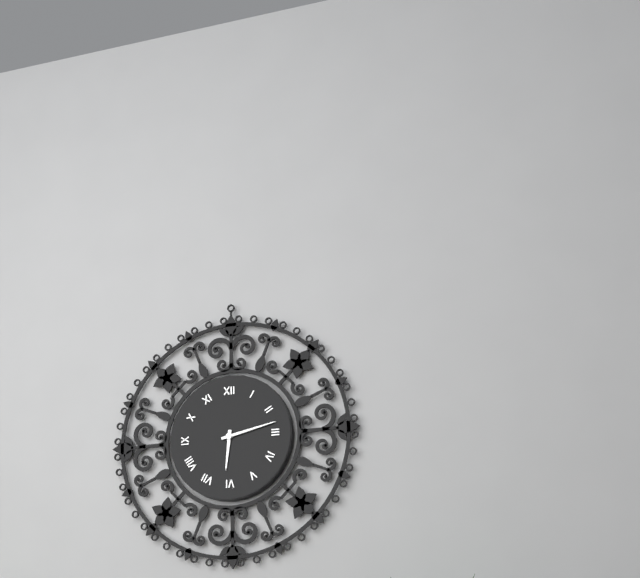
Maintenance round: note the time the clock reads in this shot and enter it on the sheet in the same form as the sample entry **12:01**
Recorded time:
**6:13**
